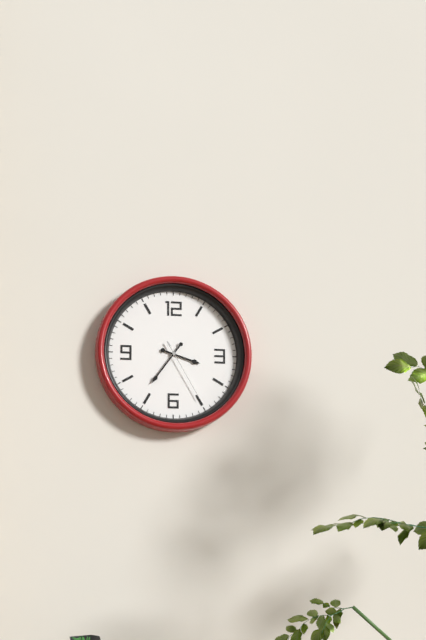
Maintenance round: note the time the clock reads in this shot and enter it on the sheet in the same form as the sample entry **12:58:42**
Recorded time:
**3:36:25**
